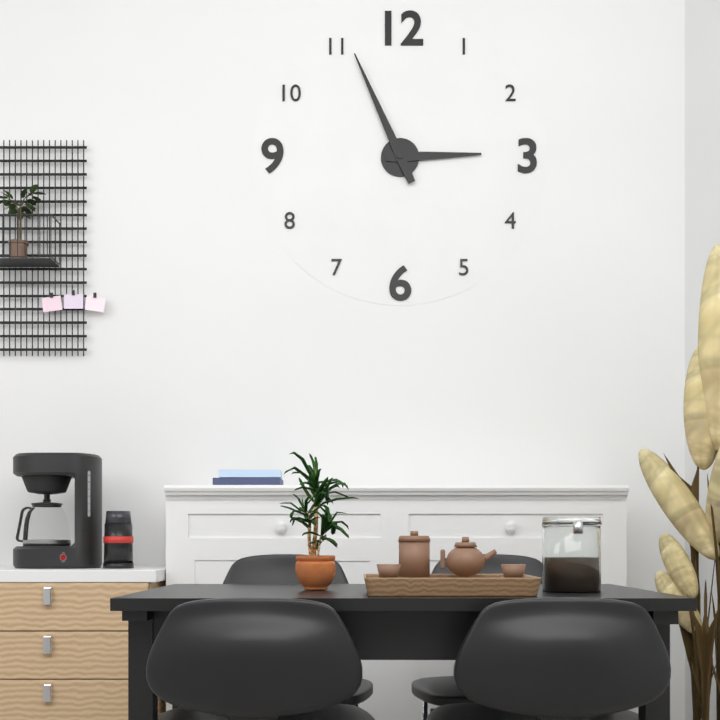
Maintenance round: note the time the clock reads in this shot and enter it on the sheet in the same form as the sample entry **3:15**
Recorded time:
**2:56**
